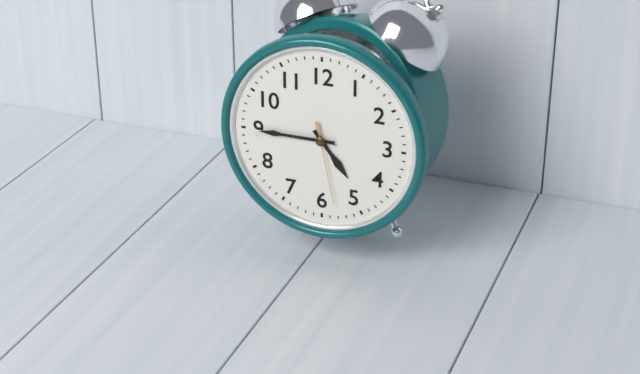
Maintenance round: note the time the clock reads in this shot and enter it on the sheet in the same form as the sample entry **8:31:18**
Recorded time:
**4:45:28**
